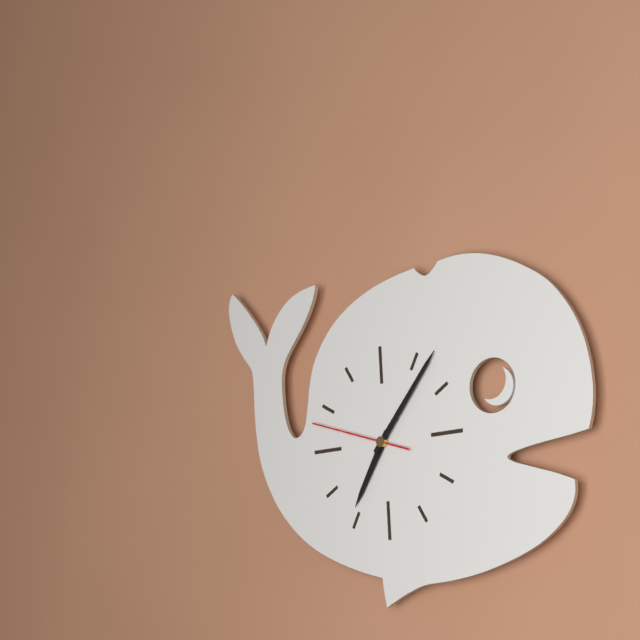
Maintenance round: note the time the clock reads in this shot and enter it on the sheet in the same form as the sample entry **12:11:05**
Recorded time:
**7:07:48**
